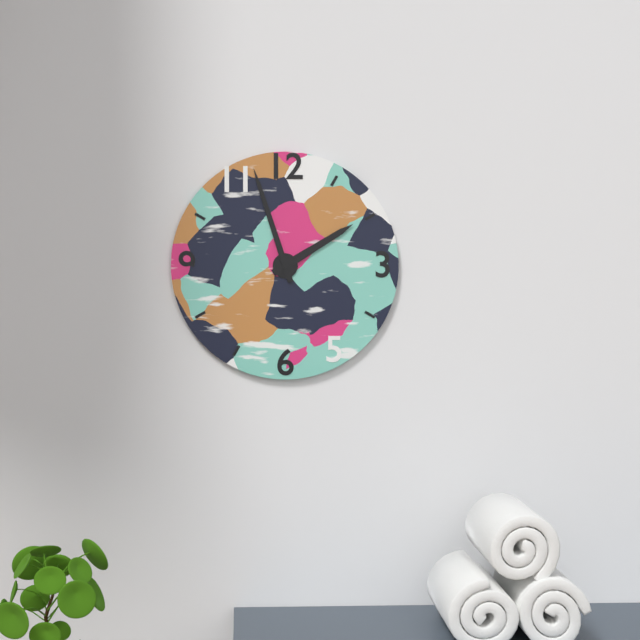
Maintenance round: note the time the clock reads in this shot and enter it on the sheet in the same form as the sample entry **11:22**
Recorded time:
**1:57**
